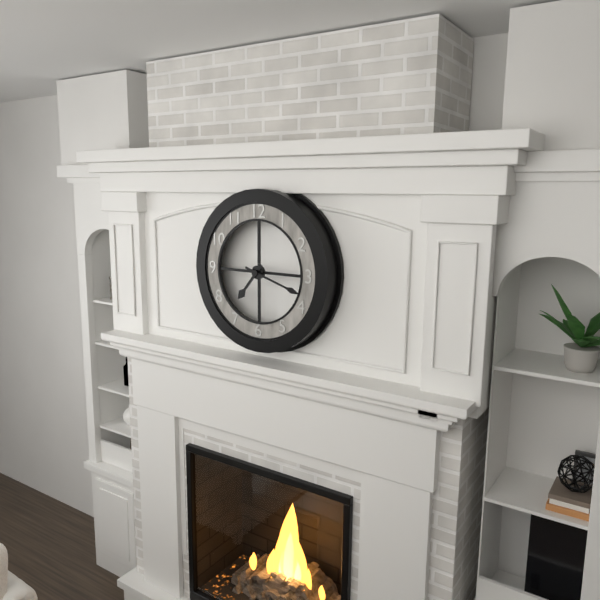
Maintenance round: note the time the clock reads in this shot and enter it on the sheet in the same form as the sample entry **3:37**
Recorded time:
**7:18**
